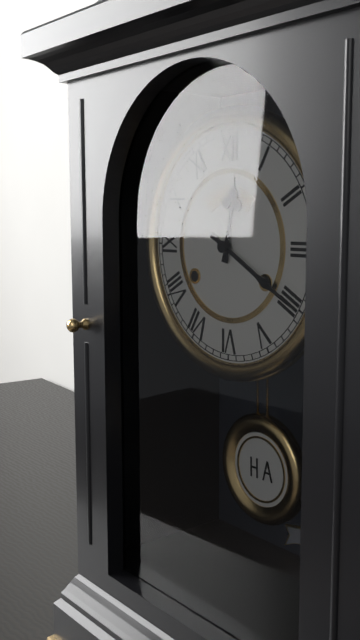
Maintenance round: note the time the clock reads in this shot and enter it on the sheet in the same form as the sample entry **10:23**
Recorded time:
**12:20**
